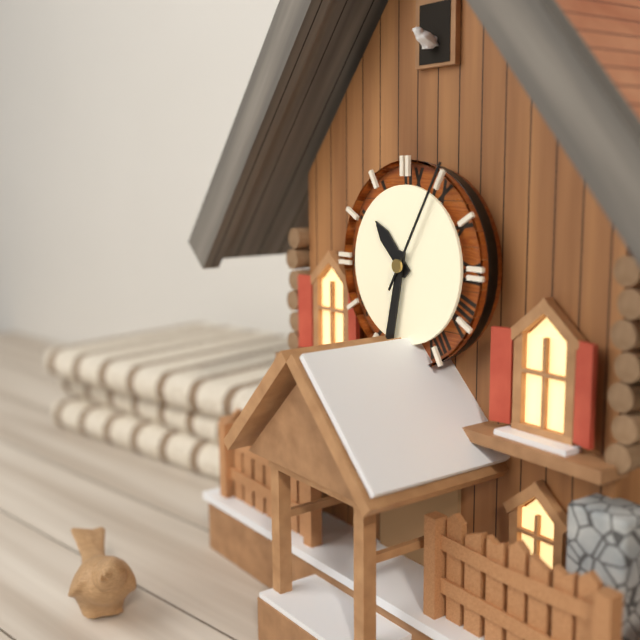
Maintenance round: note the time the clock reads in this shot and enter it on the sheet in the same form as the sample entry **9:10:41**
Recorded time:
**10:32:05**
